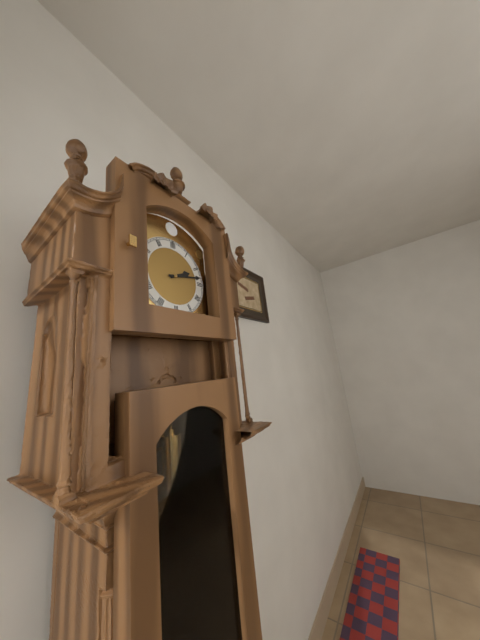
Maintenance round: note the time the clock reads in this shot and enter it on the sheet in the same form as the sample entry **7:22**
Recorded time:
**2:13**
